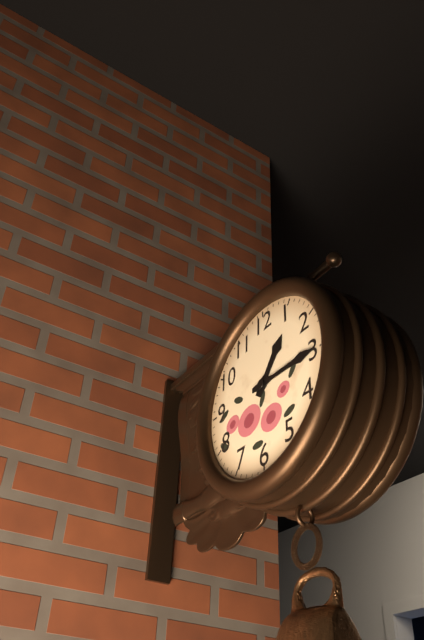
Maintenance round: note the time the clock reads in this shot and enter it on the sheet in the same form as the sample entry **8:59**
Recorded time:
**1:15**
